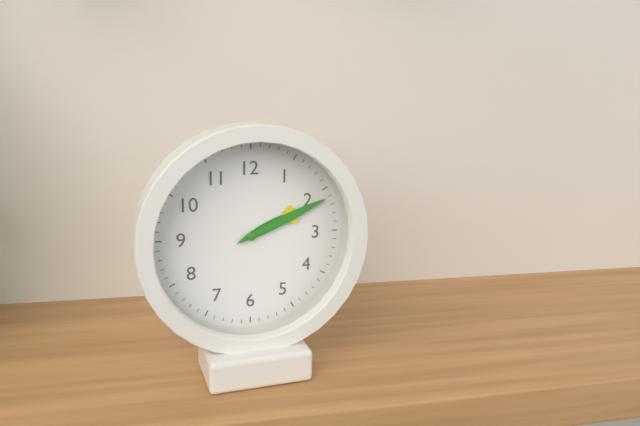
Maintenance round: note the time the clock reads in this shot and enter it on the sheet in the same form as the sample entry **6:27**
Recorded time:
**2:11**
